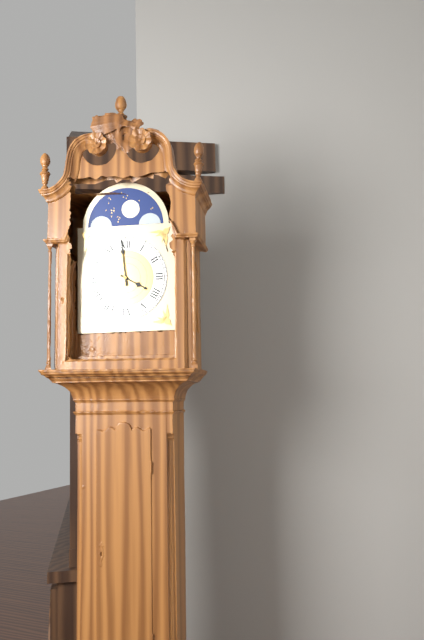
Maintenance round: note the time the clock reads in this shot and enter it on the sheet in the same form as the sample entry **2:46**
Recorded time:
**3:59**
